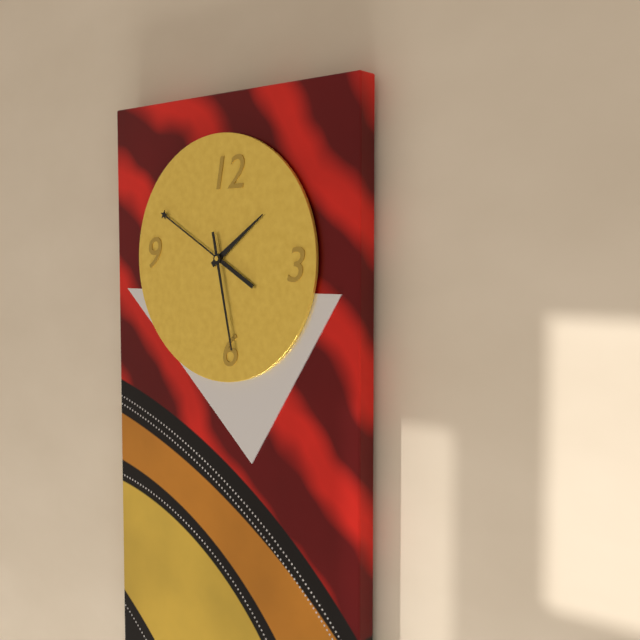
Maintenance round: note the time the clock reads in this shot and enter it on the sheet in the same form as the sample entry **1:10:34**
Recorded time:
**1:50:28**
